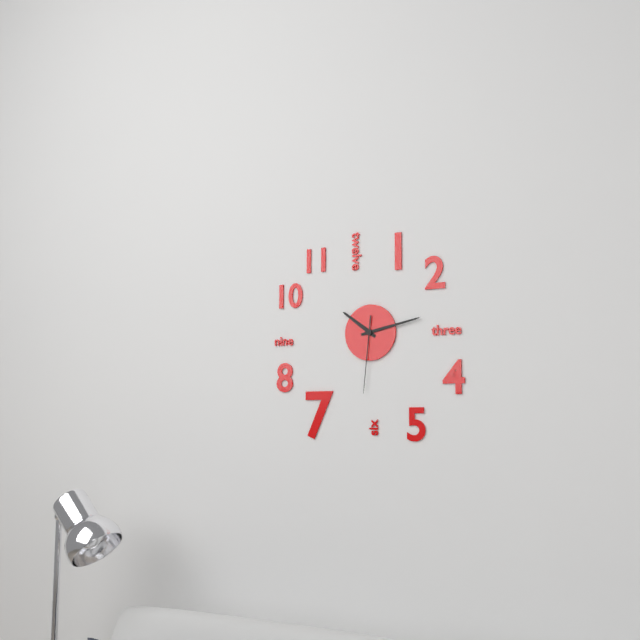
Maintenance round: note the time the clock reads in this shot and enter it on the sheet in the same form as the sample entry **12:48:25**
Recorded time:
**10:13:31**
